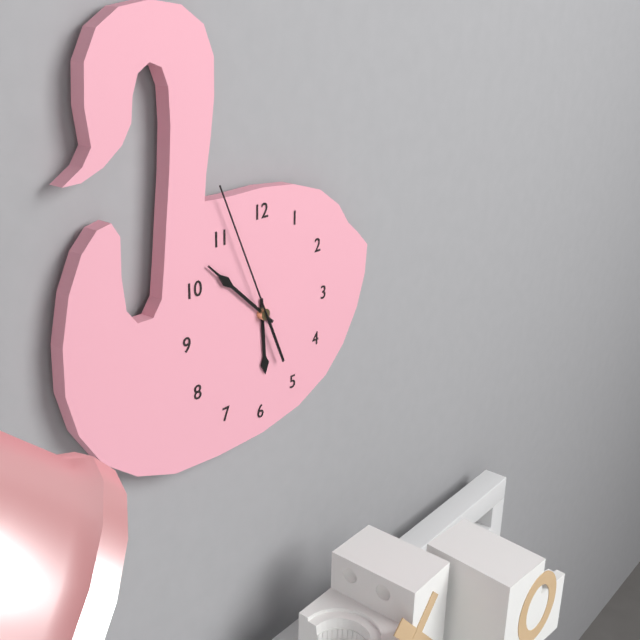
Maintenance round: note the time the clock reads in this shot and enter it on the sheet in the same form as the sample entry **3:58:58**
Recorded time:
**5:52:56**
